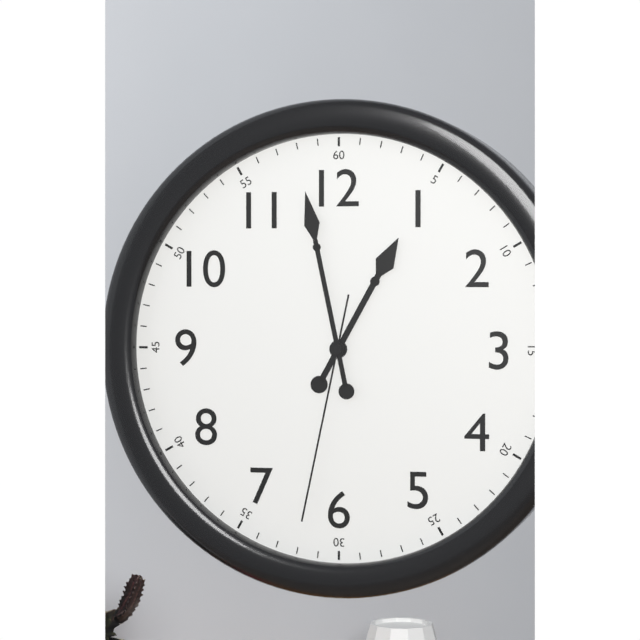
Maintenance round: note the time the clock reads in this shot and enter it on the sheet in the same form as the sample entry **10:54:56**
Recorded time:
**12:58:32**
